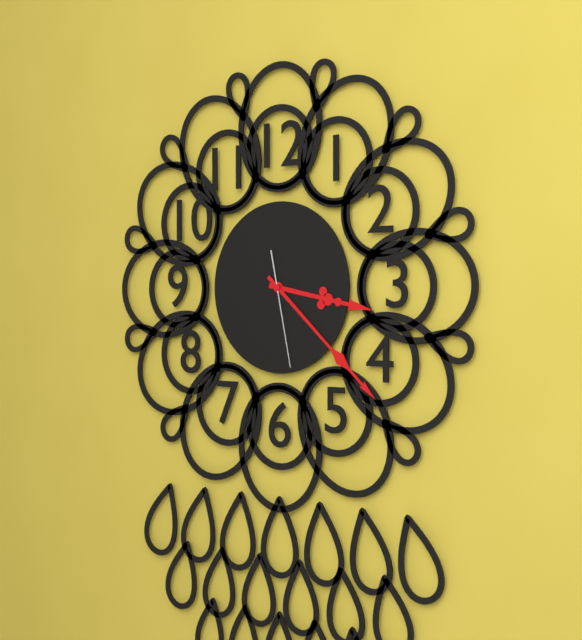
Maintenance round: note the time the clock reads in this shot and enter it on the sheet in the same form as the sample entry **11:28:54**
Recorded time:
**3:22:28**
